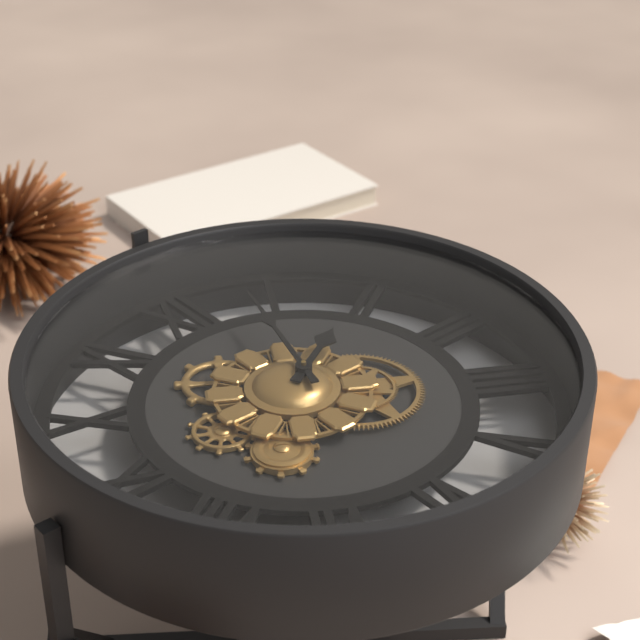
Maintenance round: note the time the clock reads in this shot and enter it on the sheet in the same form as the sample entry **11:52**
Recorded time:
**2:03**
